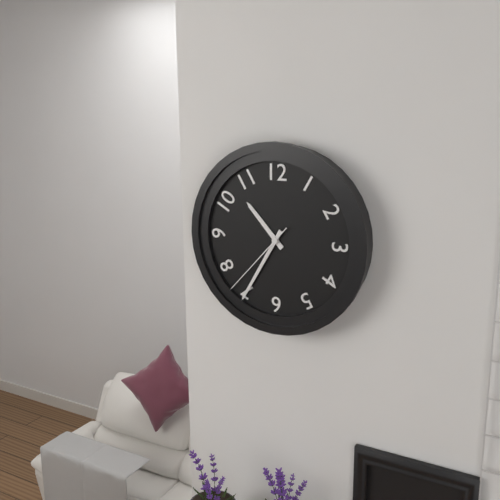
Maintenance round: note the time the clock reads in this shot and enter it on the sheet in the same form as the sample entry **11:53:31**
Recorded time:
**10:35:37**
